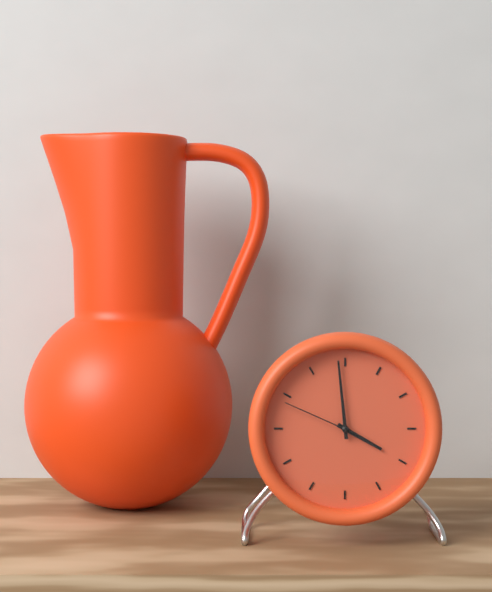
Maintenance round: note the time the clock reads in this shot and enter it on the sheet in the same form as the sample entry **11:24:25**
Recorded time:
**3:59:49**
